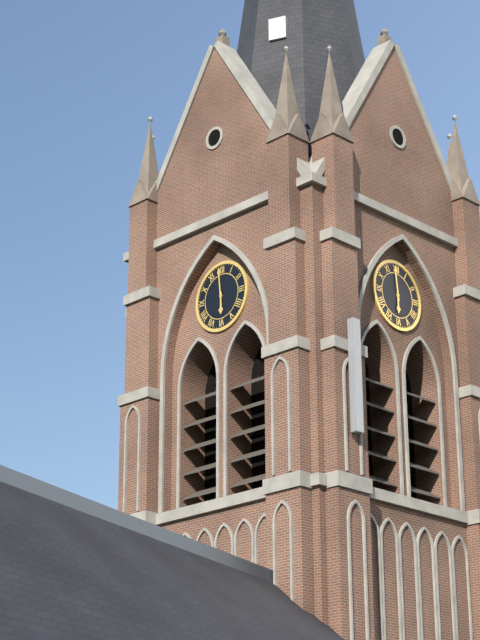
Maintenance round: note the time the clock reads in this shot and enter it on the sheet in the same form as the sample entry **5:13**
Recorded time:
**5:59**
